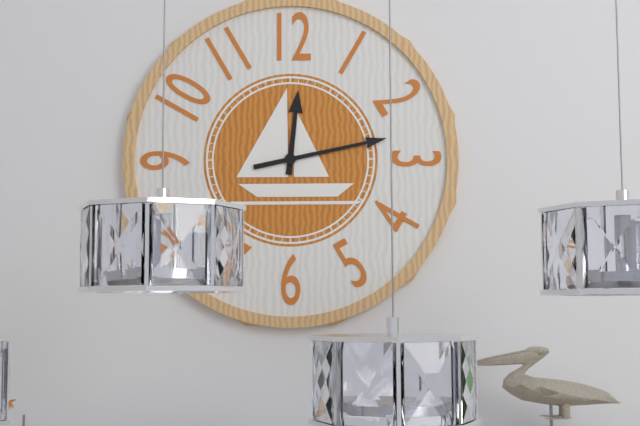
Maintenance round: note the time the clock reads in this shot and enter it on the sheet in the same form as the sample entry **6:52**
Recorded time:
**12:13**
